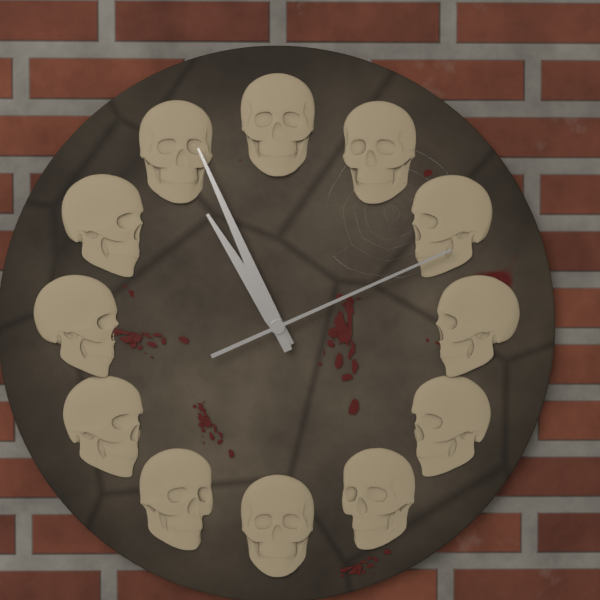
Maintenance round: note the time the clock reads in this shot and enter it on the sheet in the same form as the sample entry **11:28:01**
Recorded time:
**10:56:11**
